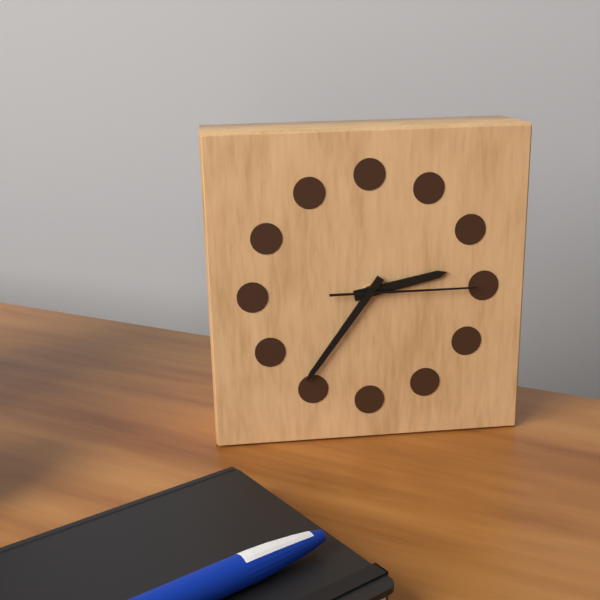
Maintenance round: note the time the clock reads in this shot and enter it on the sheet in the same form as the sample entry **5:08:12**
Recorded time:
**2:36:15**
